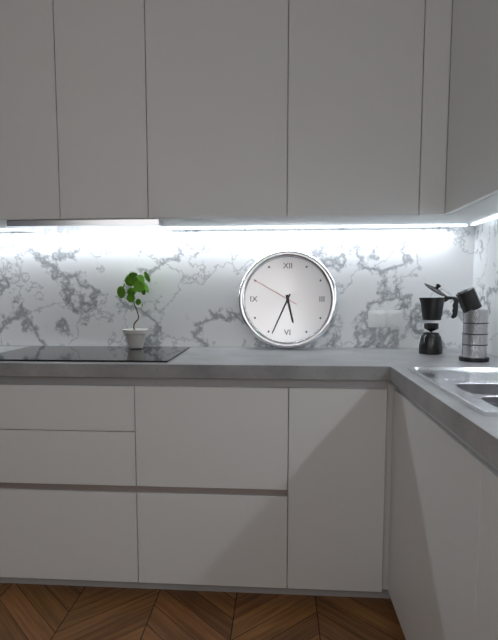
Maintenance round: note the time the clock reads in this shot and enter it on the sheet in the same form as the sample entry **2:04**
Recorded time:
**5:34**
